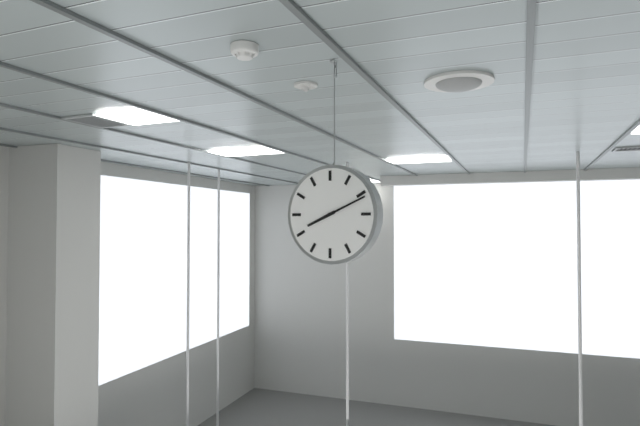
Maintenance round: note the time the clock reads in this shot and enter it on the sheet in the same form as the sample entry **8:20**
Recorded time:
**8:11**
